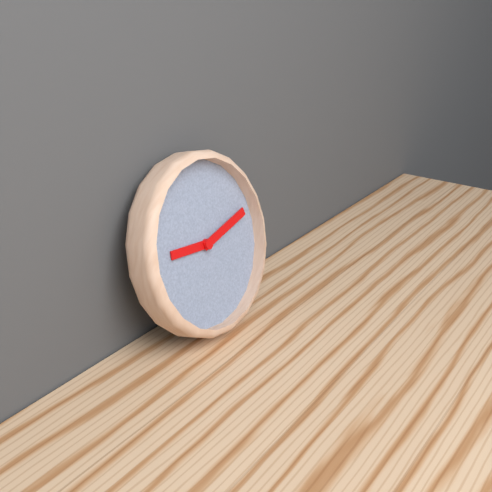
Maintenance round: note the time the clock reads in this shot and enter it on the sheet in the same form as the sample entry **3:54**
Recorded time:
**9:13**
